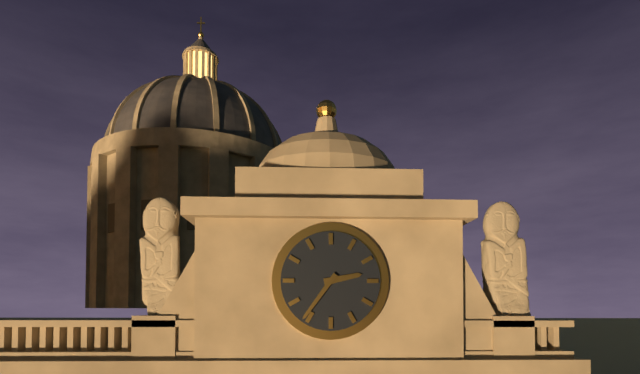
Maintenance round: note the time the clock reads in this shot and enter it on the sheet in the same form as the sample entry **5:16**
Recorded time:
**2:36**
